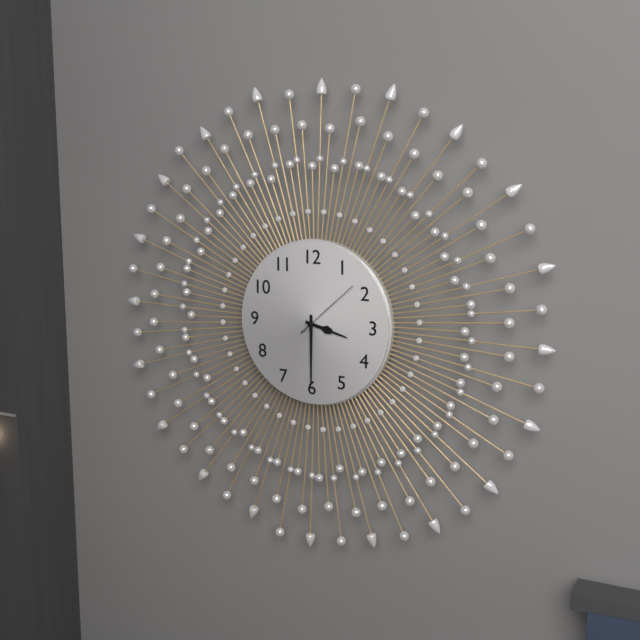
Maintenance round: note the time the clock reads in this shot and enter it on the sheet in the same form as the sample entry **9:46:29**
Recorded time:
**3:30:08**
